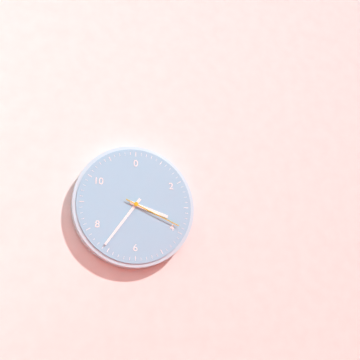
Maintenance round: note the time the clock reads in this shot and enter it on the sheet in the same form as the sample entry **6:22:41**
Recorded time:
**3:36:19**
